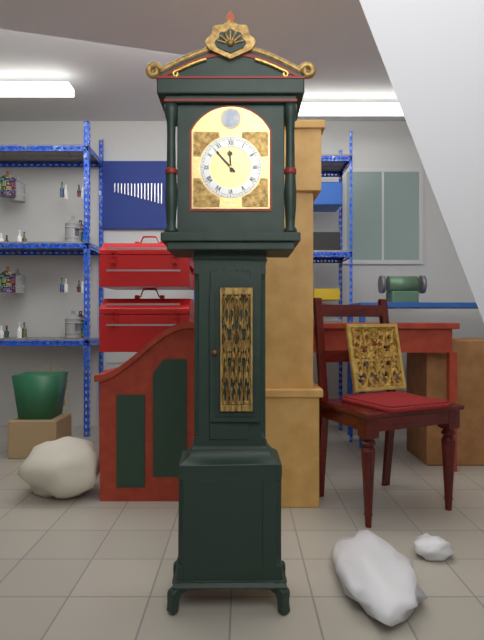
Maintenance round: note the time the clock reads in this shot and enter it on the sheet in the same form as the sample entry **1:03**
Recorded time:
**11:53**
